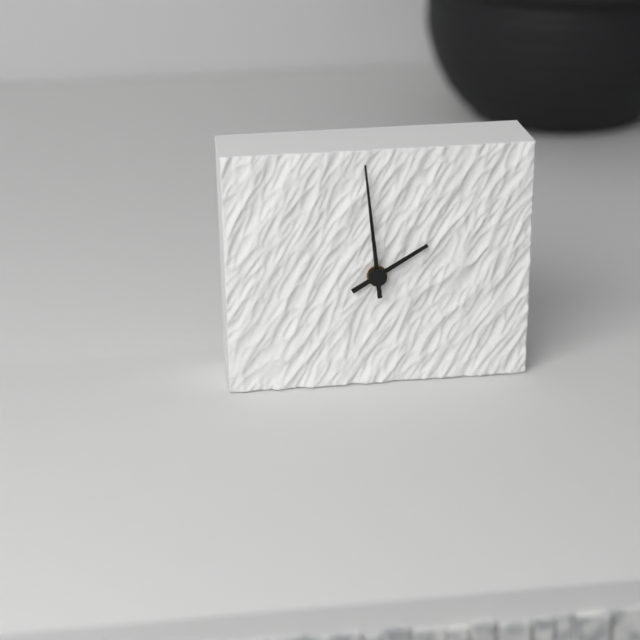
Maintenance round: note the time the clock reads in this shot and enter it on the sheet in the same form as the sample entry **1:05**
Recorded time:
**1:59**
